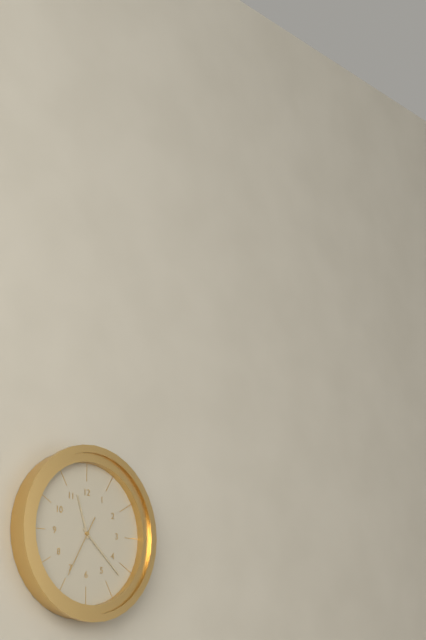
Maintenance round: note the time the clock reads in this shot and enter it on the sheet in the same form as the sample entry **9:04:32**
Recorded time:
**11:22:35**
